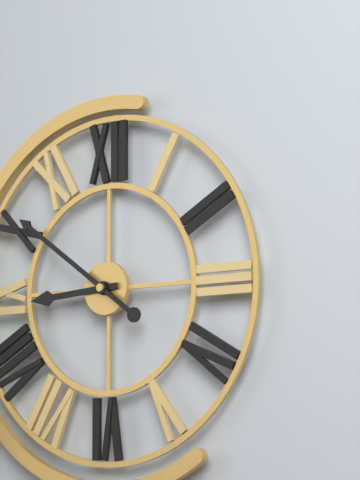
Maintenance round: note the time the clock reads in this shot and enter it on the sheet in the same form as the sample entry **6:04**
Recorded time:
**8:51**
